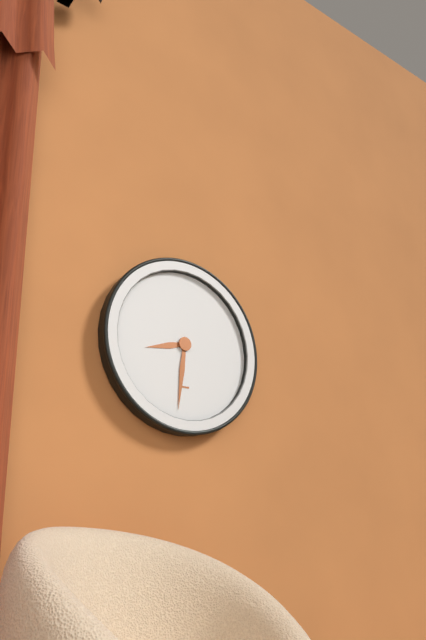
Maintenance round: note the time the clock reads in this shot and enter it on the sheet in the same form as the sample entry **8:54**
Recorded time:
**8:31**
